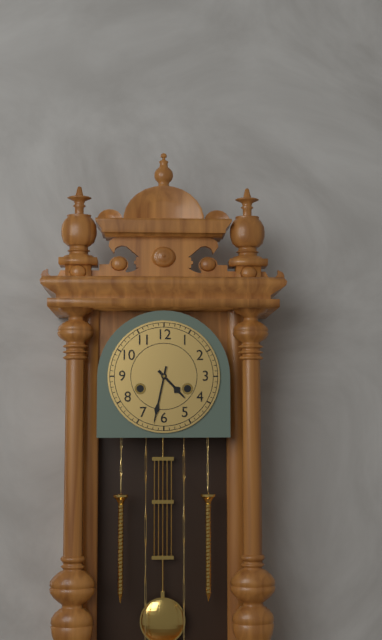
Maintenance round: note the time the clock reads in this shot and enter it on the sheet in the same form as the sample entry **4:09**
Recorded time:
**4:32**
